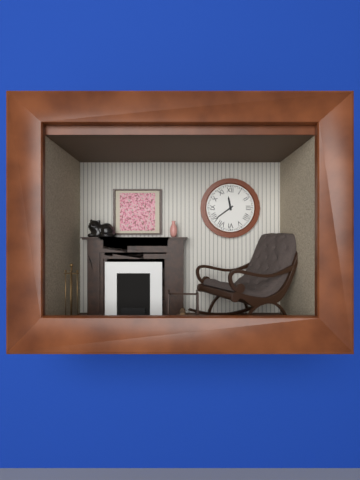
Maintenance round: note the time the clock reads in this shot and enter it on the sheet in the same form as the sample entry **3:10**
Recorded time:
**11:39**
